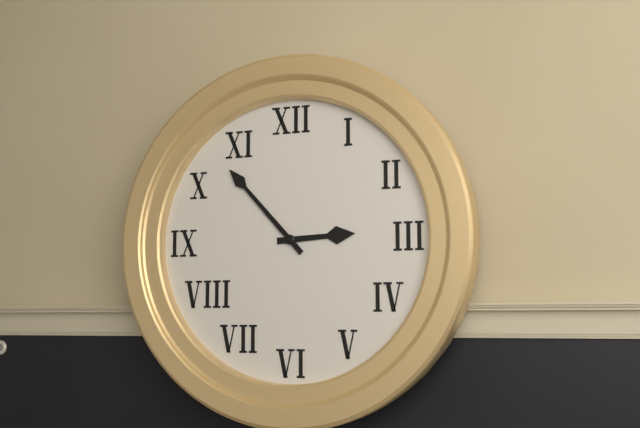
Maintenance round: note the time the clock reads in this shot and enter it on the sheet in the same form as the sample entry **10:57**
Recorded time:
**2:53**
